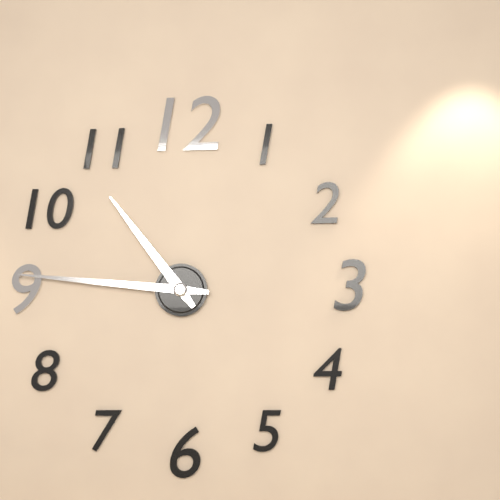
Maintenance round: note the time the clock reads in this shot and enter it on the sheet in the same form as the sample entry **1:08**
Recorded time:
**10:46**
